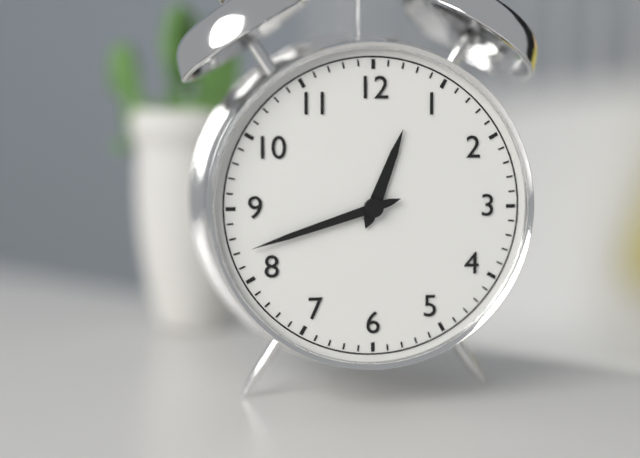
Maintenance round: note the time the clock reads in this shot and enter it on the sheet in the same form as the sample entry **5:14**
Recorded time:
**12:42**
